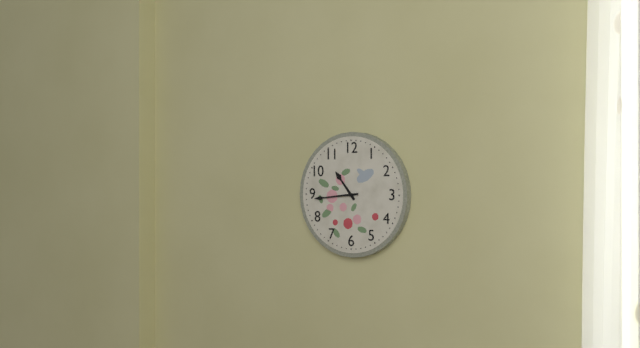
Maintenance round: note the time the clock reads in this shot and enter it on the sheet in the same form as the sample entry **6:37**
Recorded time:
**10:44**
